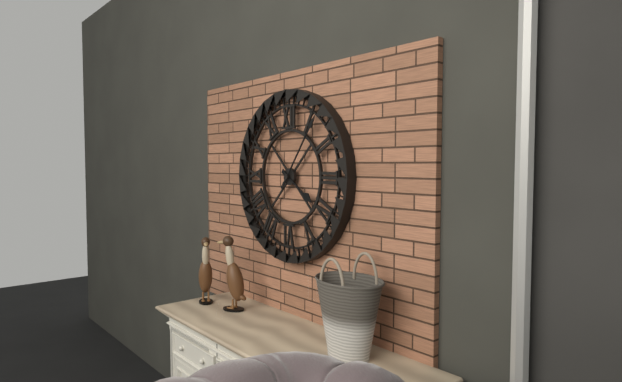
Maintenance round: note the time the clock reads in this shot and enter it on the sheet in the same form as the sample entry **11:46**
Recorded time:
**4:06**
